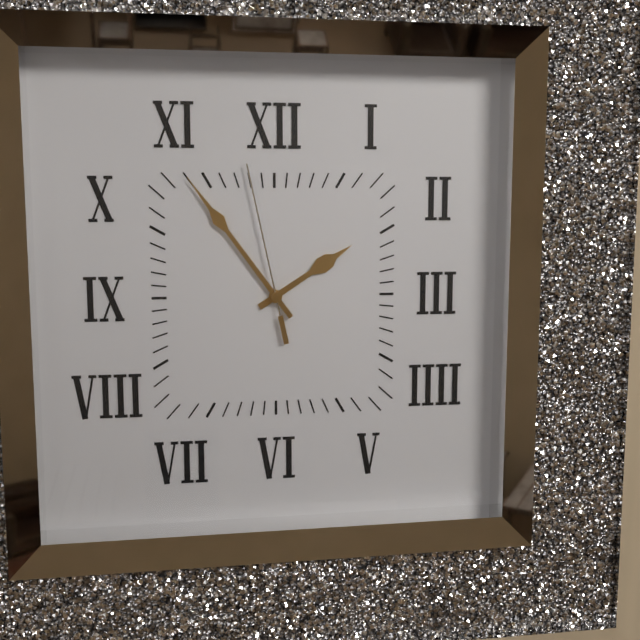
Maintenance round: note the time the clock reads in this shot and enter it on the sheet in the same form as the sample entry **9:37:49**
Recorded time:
**1:54:58**
